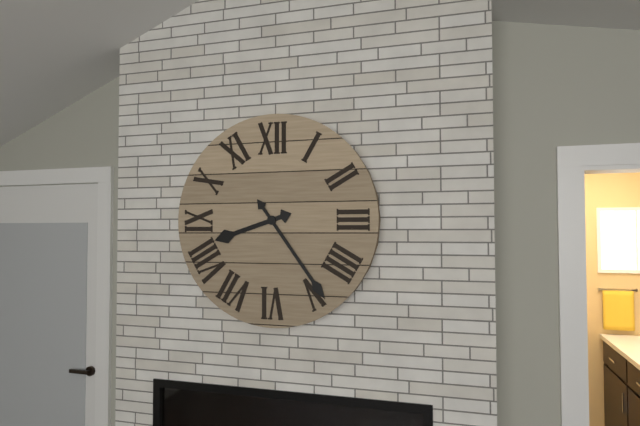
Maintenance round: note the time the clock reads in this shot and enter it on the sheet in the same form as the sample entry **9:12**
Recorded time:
**8:24**
